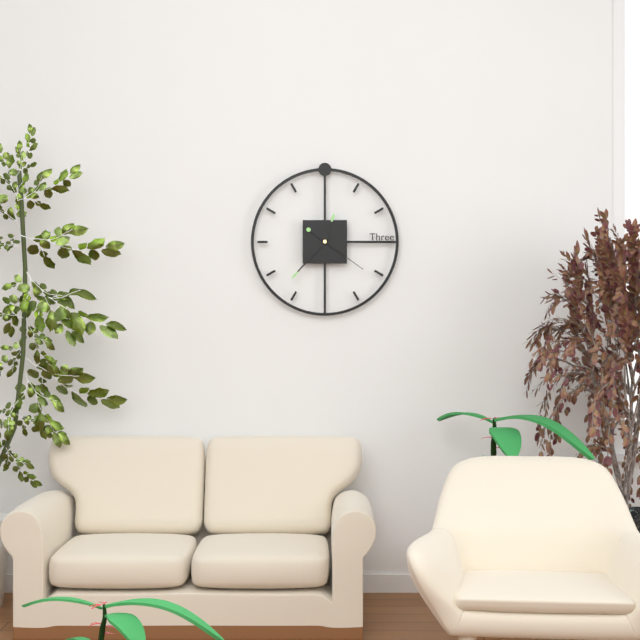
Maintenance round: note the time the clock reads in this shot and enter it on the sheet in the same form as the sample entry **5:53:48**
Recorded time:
**12:37:21**
